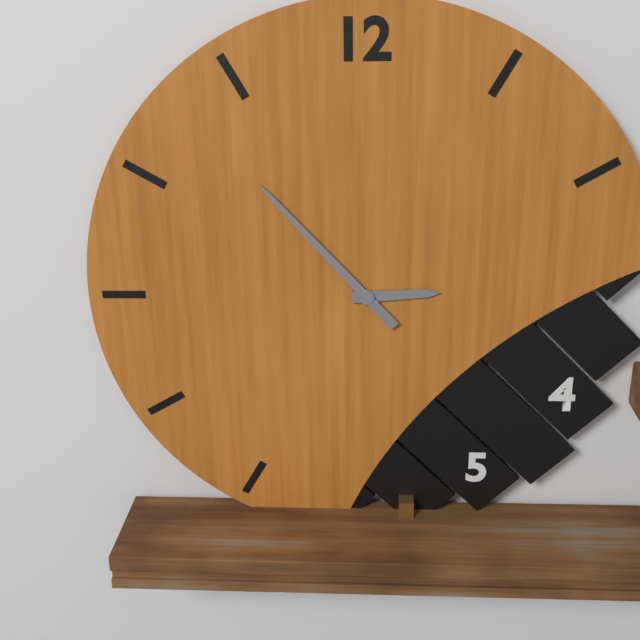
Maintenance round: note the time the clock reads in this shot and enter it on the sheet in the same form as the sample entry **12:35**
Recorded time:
**2:53**
